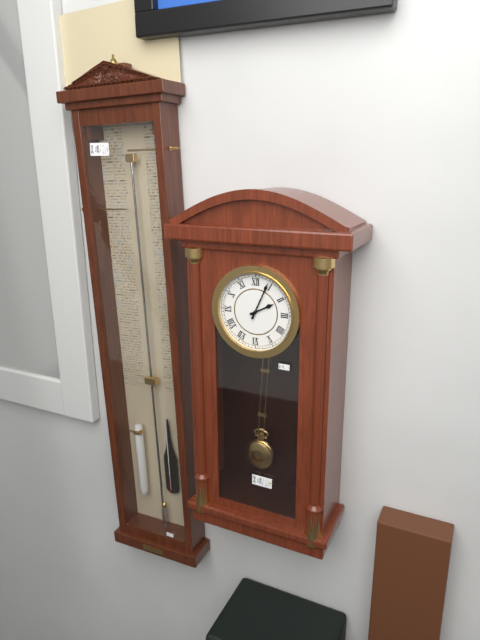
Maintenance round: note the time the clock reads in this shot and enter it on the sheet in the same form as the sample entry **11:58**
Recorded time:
**2:04**
